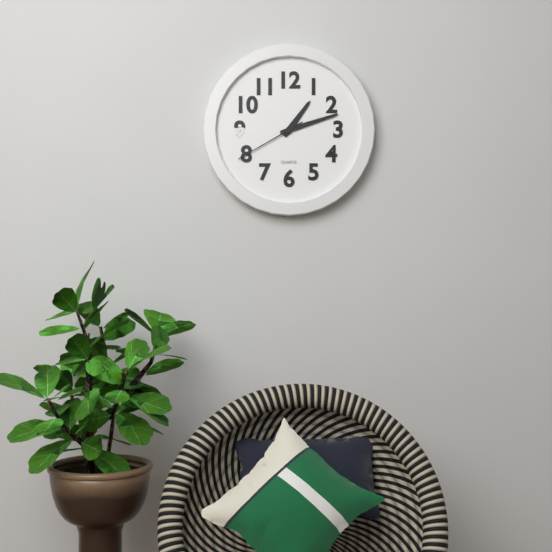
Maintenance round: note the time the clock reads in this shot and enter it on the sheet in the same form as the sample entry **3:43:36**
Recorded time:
**1:12:40**
